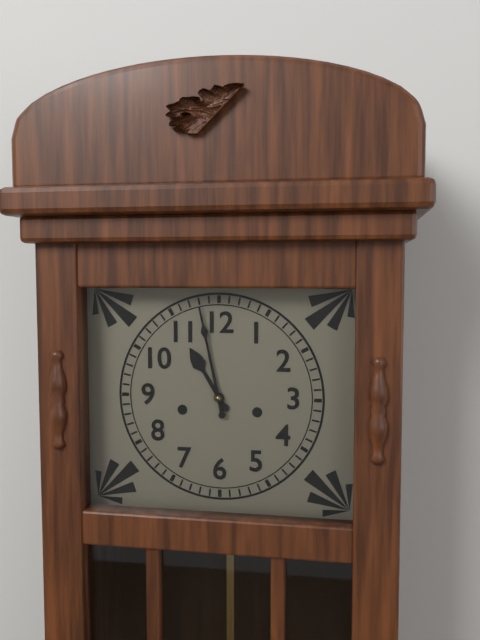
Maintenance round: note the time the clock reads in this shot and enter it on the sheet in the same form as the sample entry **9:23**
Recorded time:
**10:58**
